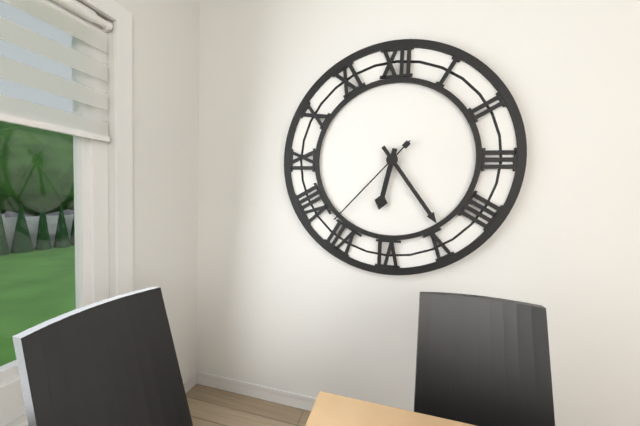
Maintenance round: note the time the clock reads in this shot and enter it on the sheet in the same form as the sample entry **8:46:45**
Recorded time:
**6:24:37**
